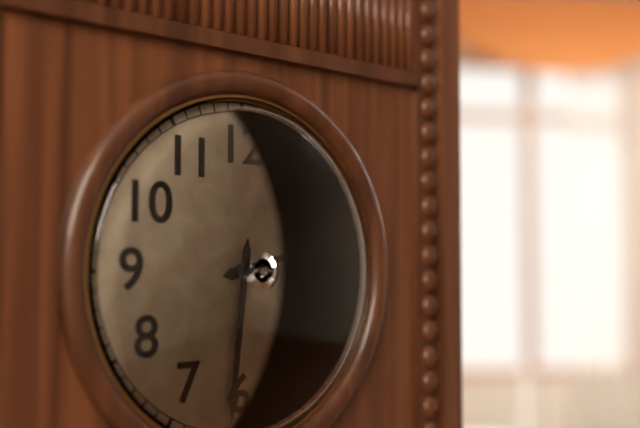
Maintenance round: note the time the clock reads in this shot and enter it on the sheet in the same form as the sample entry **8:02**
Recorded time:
**2:31**
